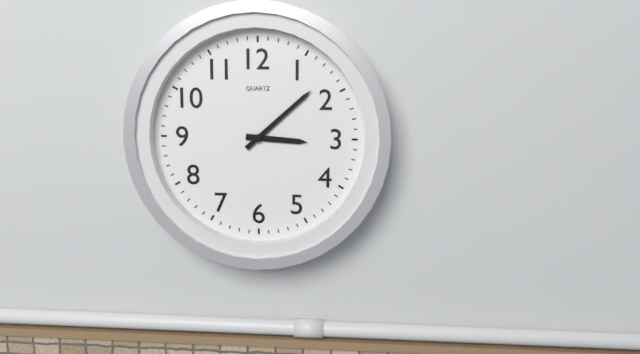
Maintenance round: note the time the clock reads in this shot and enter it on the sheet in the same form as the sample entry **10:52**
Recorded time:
**3:08**
